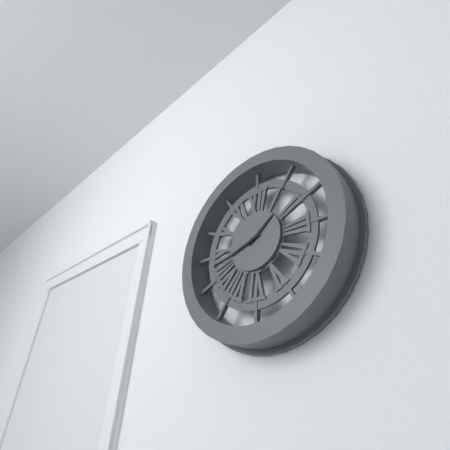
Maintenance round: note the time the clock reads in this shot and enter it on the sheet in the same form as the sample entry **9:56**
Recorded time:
**1:42**
